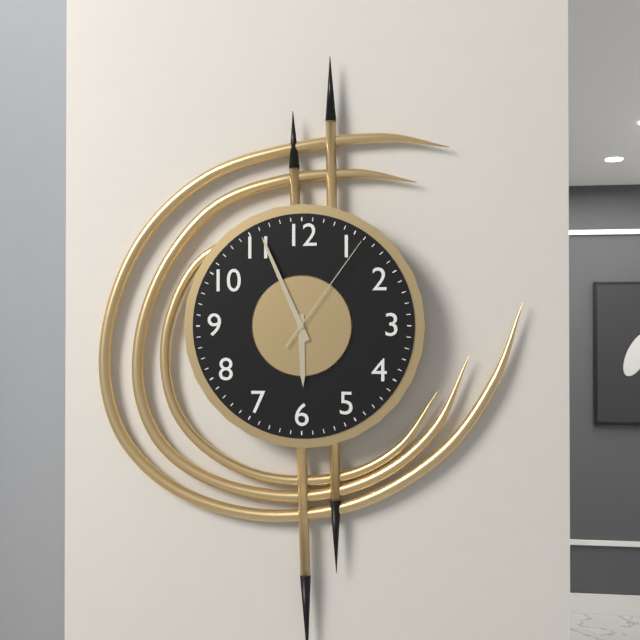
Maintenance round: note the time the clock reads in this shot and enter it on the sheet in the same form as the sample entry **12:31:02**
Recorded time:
**5:56:06**
